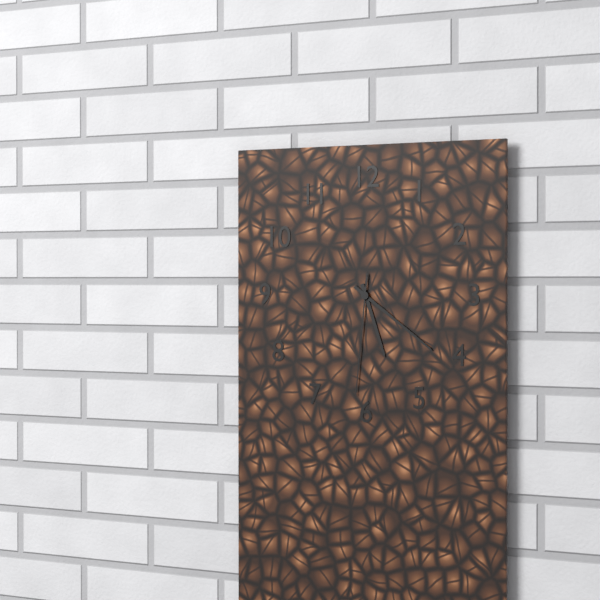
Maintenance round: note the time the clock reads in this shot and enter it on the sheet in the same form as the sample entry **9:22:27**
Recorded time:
**5:21:31**
